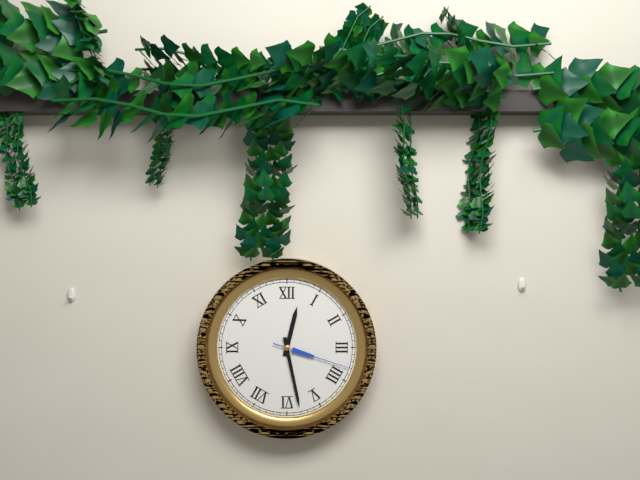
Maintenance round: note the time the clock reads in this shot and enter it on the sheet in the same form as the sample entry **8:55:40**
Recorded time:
**12:28:18**
